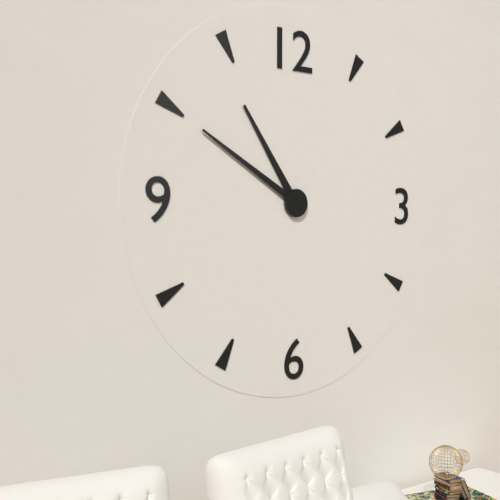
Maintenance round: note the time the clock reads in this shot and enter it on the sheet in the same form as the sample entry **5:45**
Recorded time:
**10:50**
